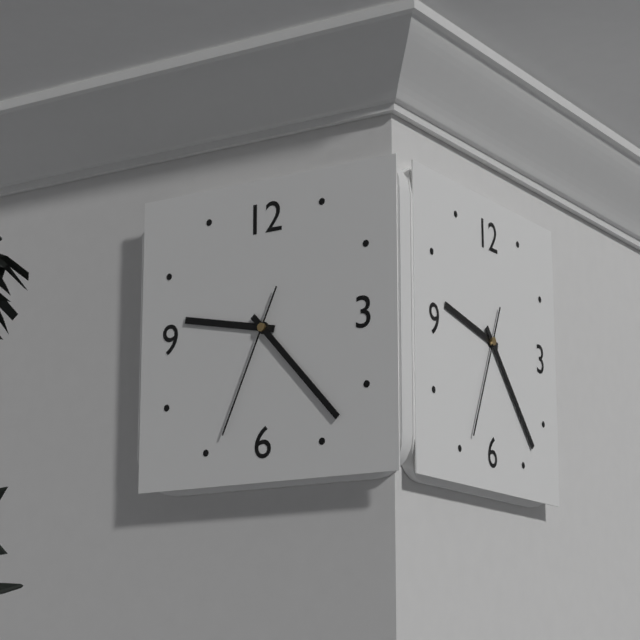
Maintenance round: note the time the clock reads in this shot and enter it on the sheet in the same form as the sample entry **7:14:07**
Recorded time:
**9:23:34**
